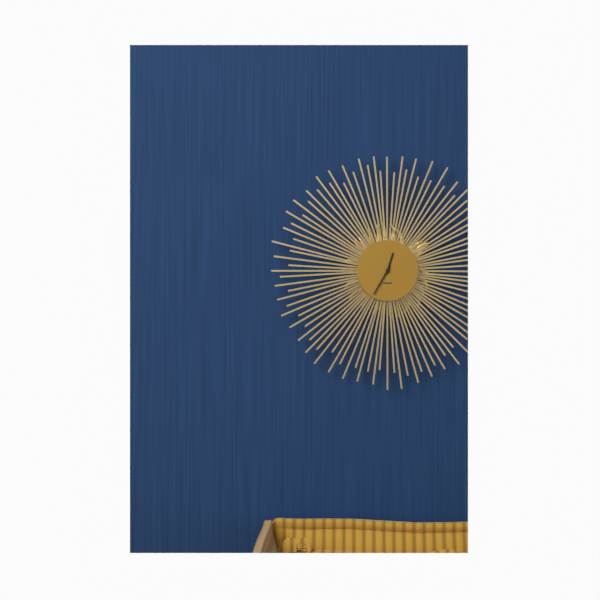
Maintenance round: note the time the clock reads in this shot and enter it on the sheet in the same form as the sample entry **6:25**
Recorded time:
**12:35**
